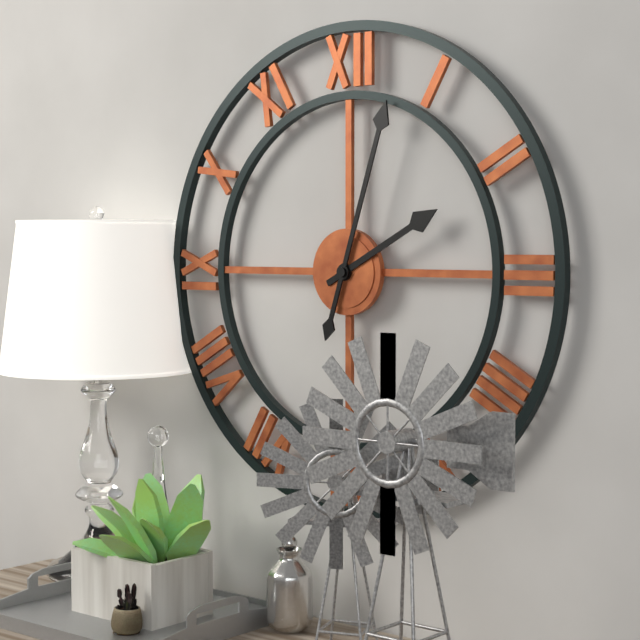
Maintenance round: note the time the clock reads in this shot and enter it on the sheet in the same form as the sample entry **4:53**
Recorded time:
**2:03**
